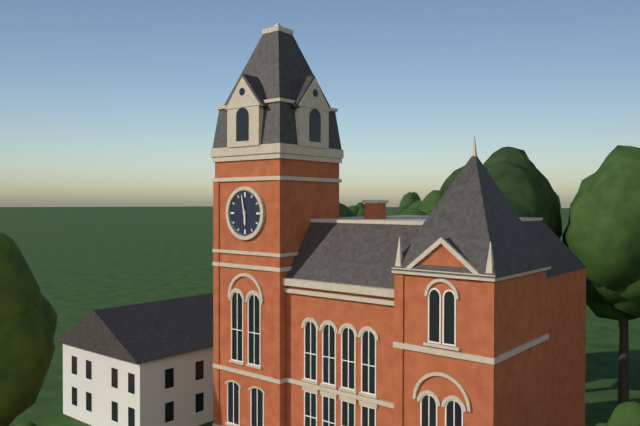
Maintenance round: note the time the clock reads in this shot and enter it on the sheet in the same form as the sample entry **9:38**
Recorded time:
**5:58**
